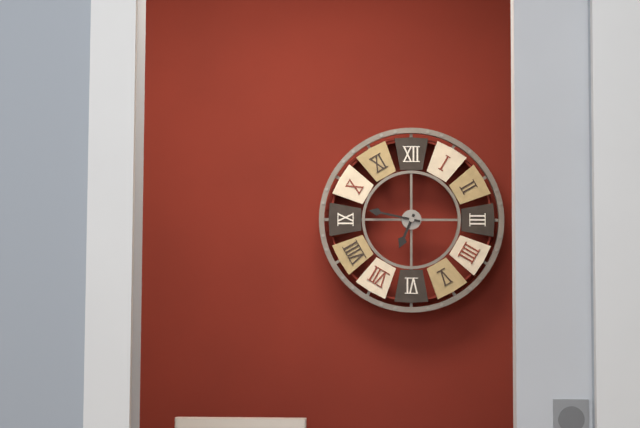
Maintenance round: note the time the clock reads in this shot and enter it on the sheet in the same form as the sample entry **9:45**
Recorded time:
**6:47**
